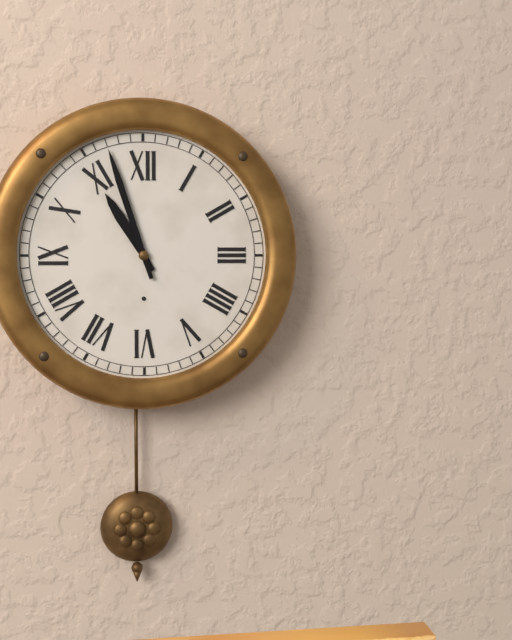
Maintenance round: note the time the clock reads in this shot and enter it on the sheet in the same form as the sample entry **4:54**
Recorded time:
**10:57**
